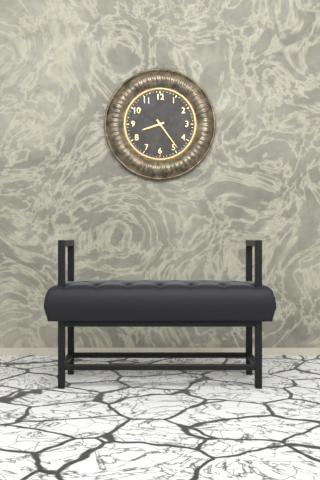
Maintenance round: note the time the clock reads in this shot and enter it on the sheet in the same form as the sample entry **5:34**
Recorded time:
**8:24**
